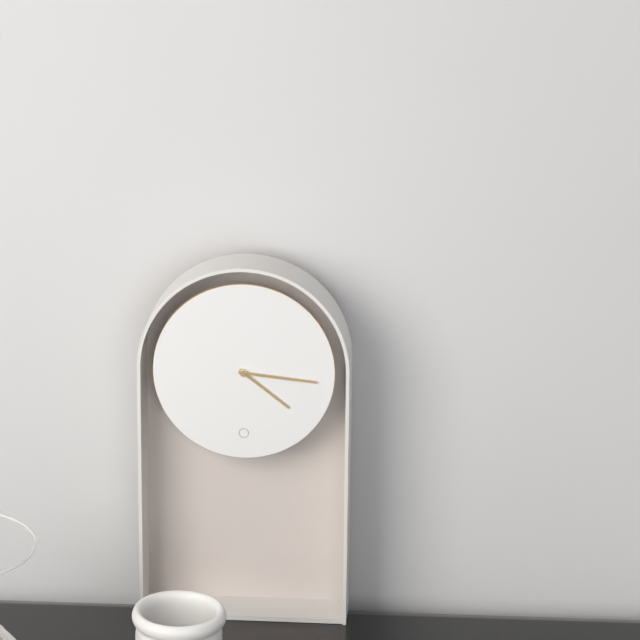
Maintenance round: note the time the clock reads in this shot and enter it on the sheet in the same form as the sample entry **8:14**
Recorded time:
**4:16**
